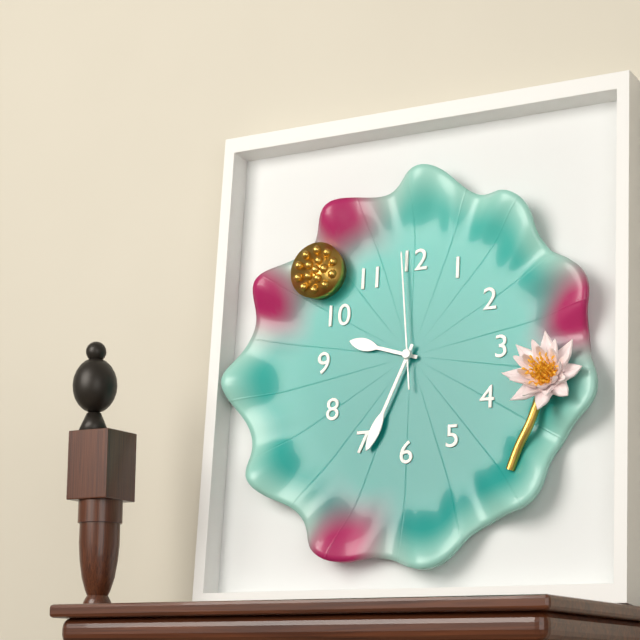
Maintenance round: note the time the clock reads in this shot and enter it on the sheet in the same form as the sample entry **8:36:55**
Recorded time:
**9:34:59**
